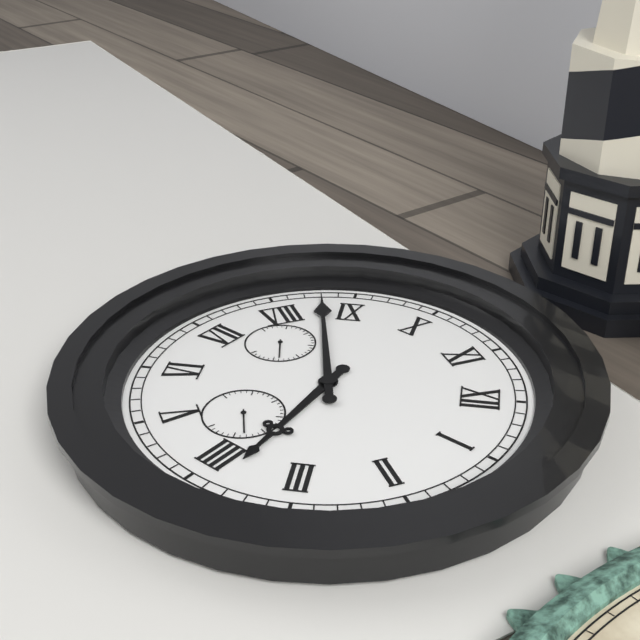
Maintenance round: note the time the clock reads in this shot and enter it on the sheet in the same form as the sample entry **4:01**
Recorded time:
**3:43**
